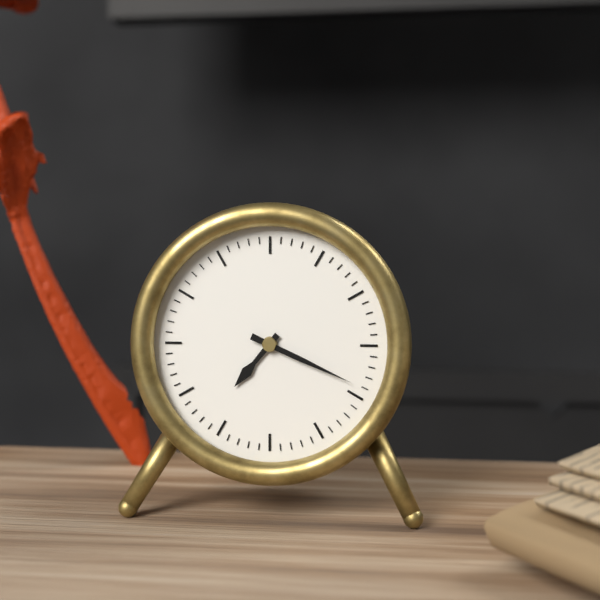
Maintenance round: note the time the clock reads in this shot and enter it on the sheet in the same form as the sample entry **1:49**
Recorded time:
**7:19**
